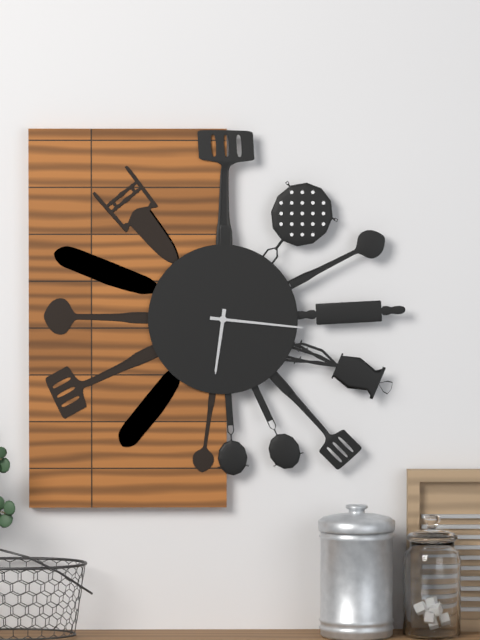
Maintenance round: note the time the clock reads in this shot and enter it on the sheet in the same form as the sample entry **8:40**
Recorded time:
**6:16**
